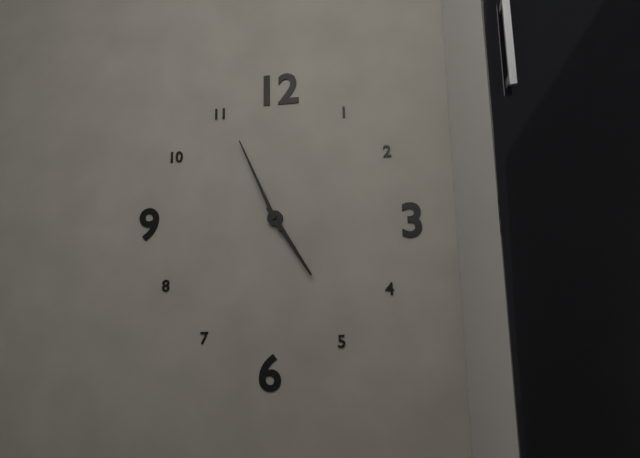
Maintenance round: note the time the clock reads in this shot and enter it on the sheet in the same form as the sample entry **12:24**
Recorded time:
**4:56**
